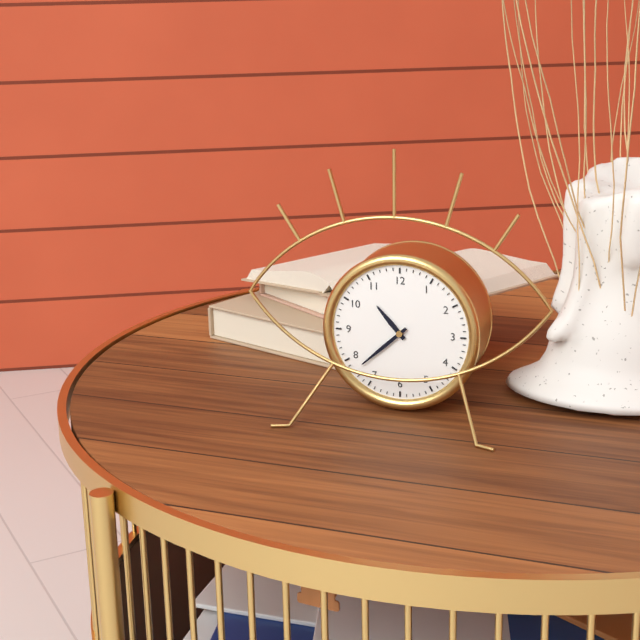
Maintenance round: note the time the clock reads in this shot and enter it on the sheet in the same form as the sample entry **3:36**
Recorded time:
**10:38**
